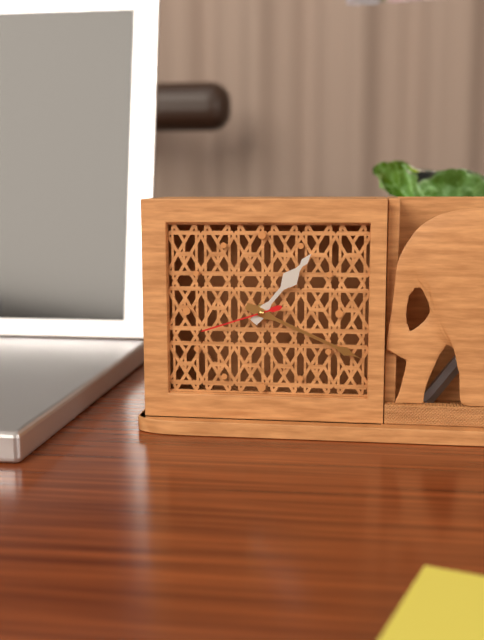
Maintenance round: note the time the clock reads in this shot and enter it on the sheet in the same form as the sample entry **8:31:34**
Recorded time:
**1:19:42**
